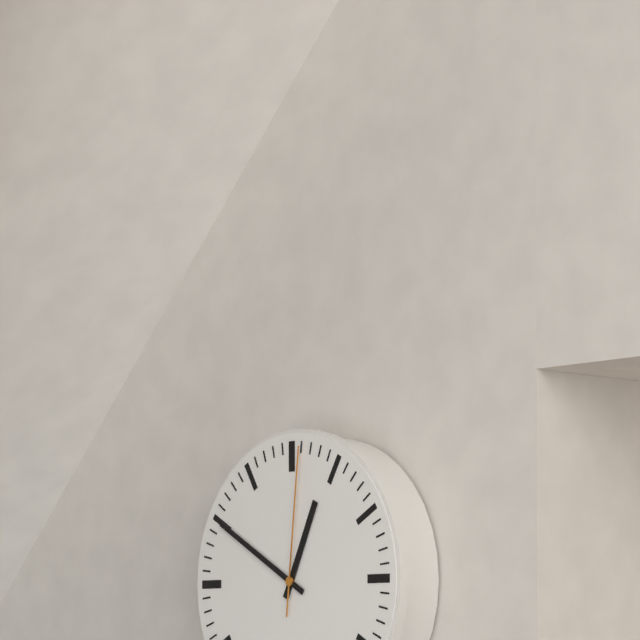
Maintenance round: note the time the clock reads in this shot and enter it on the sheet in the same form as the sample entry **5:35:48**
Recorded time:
**12:50:01**
